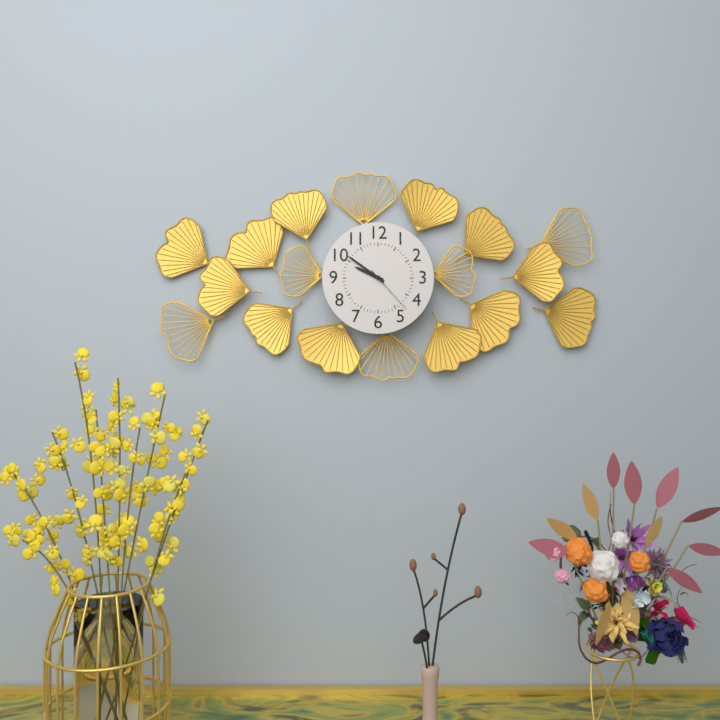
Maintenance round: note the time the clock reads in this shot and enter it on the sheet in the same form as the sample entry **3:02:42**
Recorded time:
**9:51:23**
